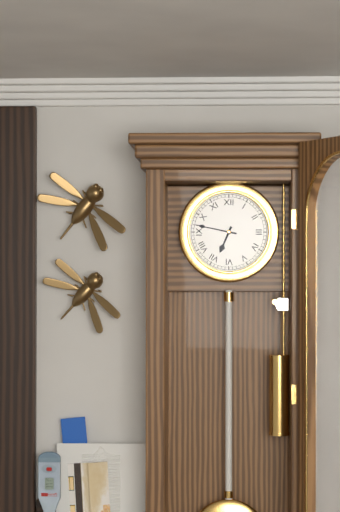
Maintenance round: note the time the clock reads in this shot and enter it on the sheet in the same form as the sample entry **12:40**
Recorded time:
**6:47**
